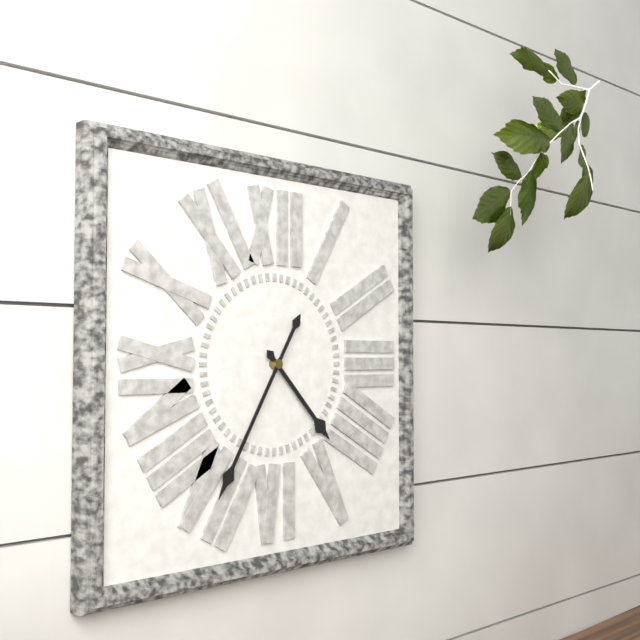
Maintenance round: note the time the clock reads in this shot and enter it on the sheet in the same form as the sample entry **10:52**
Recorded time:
**4:35**
